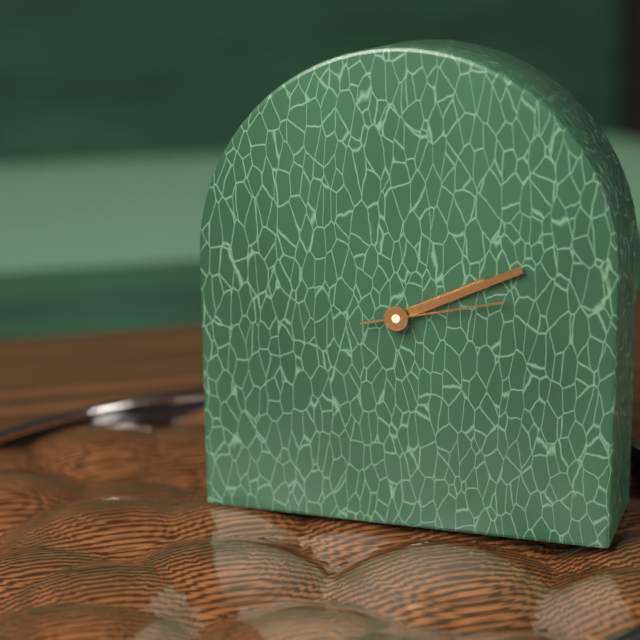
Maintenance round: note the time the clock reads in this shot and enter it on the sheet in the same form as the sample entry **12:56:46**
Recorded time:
**2:11:13**
